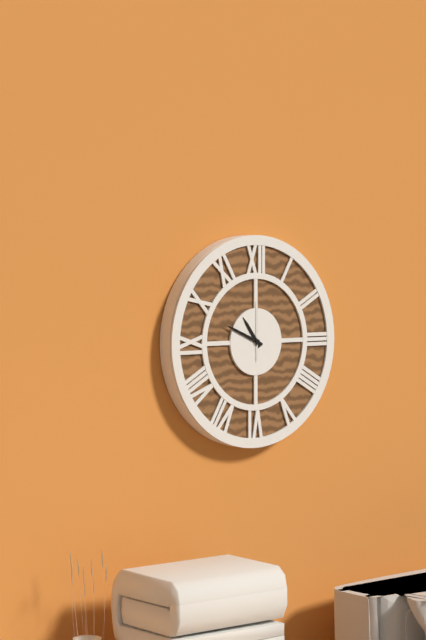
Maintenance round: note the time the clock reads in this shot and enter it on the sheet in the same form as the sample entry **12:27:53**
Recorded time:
**10:49:00**
